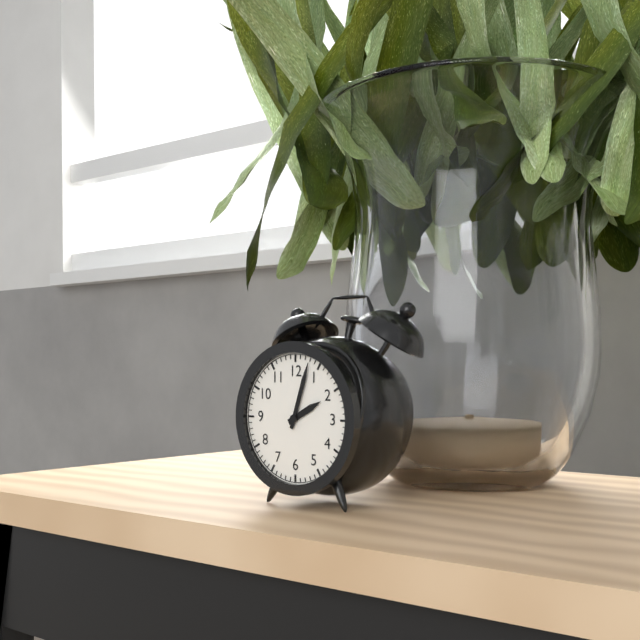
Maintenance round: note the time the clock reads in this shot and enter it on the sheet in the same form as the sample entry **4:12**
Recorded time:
**2:03**
